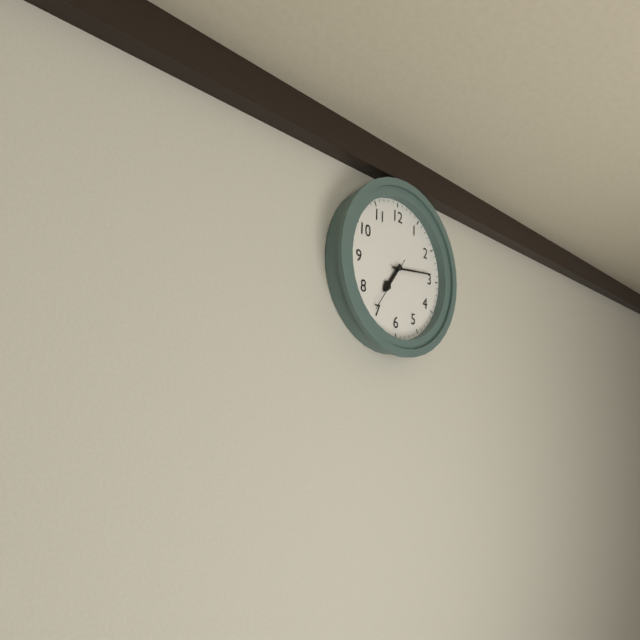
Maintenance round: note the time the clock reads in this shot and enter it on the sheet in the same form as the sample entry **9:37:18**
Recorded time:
**7:14:36**
